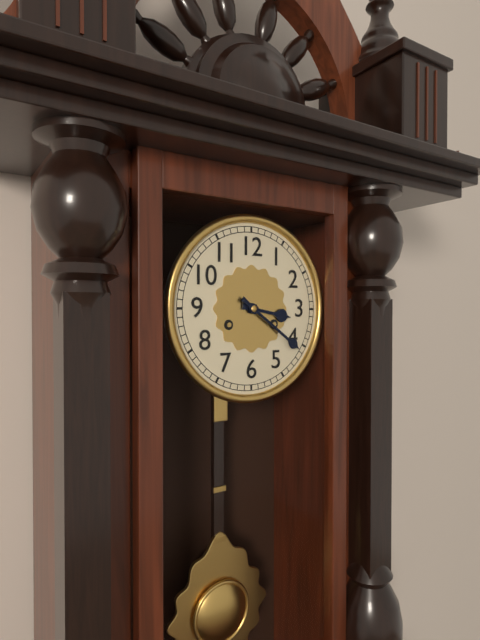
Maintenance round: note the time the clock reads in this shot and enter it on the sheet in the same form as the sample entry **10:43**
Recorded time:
**3:21**
